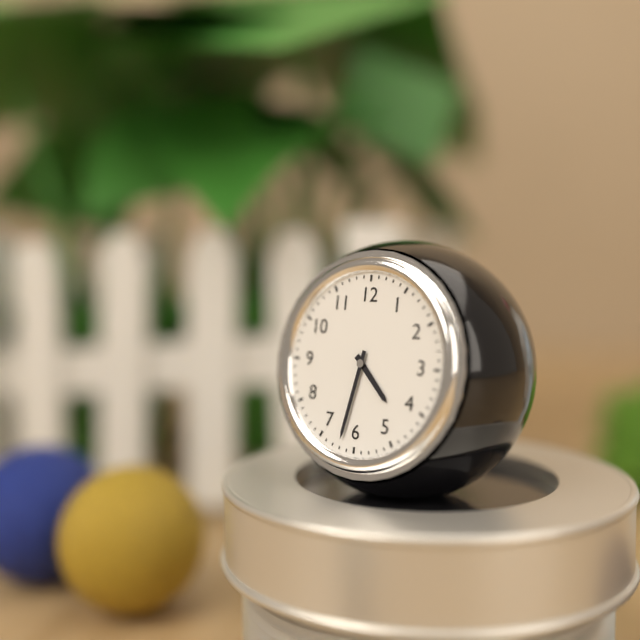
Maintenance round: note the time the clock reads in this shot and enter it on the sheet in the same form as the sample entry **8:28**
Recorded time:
**4:32**
